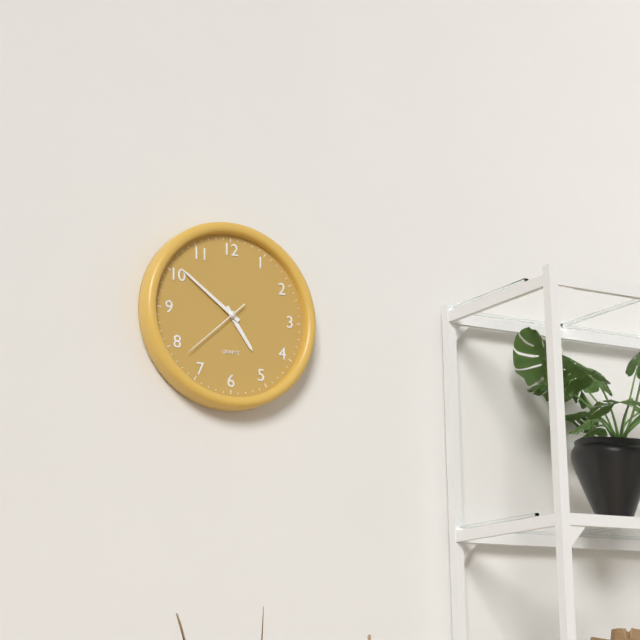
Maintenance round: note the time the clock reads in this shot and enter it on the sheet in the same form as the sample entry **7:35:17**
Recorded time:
**4:51:38**
